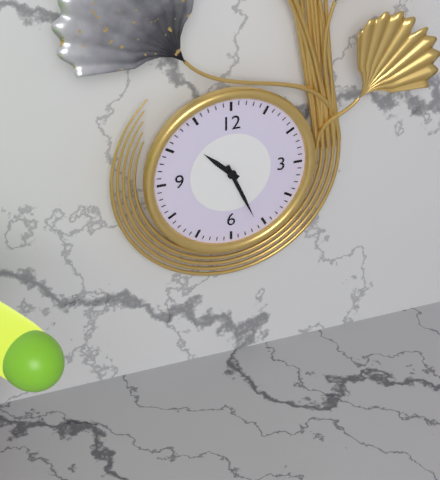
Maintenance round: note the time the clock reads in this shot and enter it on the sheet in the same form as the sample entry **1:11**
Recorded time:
**10:26**
